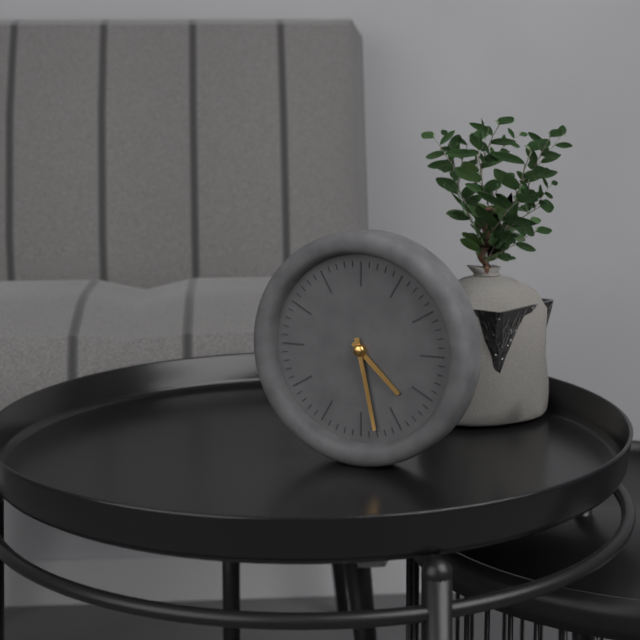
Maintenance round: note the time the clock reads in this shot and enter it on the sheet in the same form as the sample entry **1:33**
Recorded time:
**4:28**
